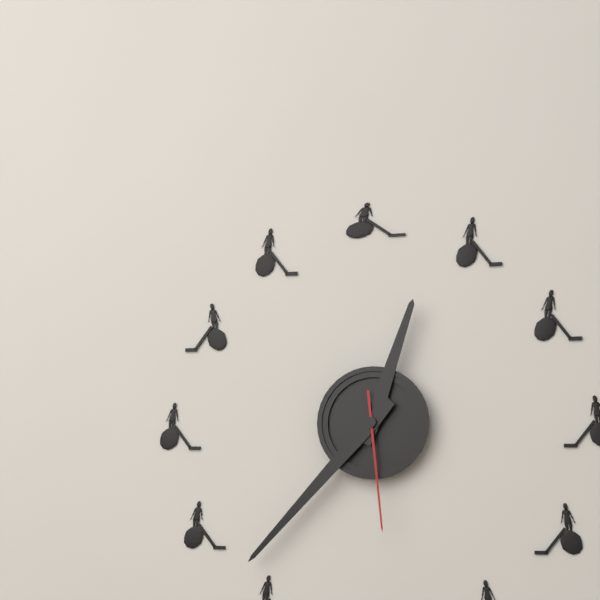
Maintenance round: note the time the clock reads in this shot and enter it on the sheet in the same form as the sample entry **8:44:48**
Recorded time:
**12:37:29**
